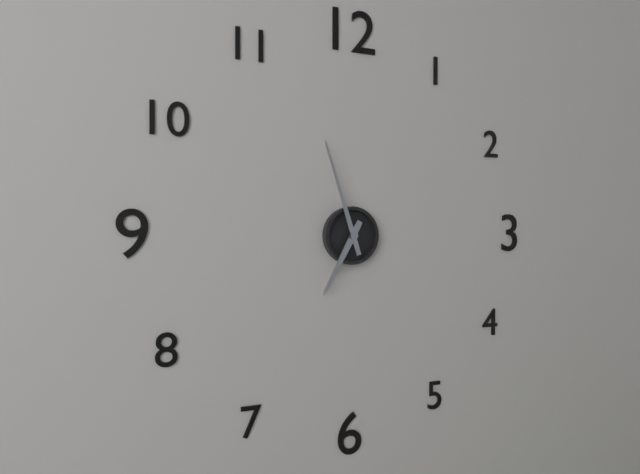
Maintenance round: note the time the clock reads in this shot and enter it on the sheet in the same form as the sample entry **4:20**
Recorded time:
**6:57**
